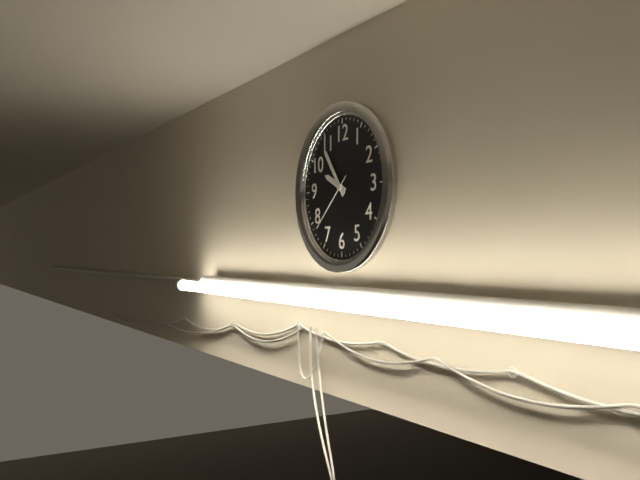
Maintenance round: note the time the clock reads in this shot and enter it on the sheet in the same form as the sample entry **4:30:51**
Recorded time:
**9:54:38**
